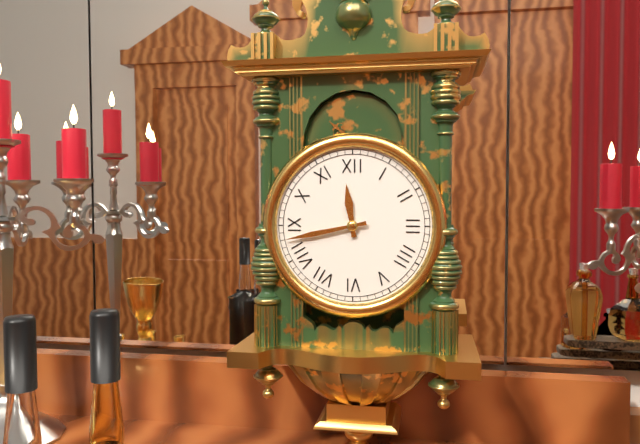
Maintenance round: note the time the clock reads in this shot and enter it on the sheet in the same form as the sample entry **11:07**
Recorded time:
**11:43**
